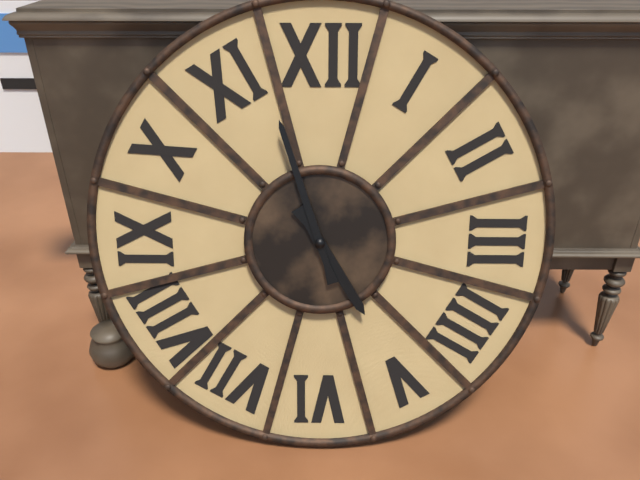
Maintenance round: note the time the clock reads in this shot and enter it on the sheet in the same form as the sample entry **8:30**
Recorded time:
**4:57**
